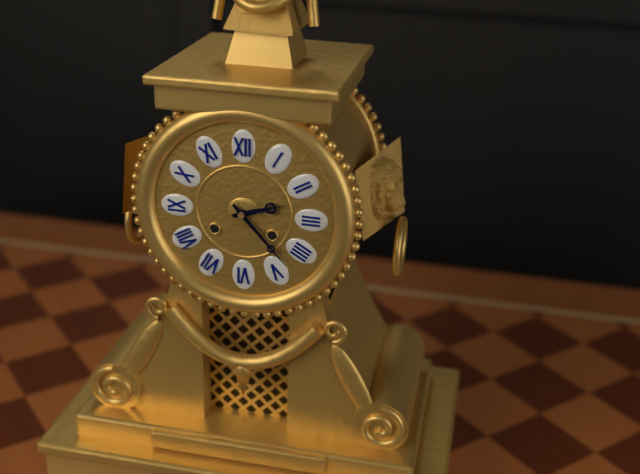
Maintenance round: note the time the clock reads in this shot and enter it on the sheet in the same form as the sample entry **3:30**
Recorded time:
**2:23**
